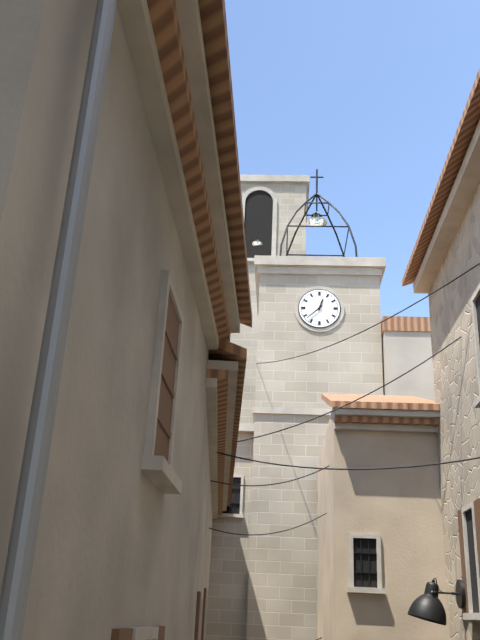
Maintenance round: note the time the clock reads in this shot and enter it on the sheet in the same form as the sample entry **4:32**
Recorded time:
**12:38**
